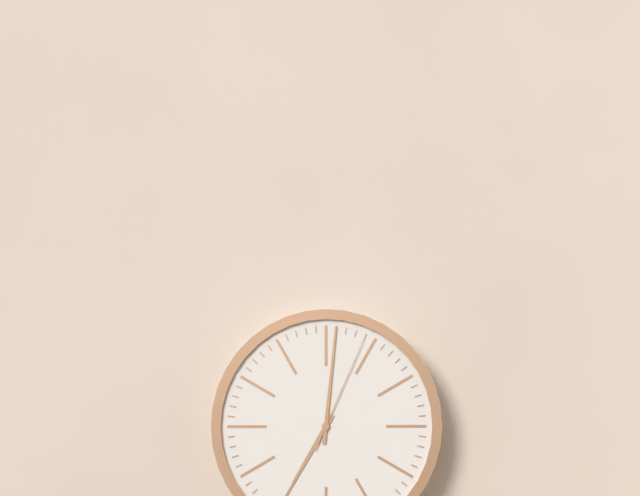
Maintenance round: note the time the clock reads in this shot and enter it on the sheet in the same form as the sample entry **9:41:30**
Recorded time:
**7:01:04**
